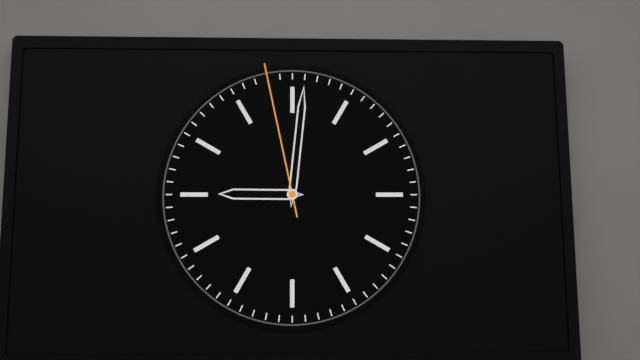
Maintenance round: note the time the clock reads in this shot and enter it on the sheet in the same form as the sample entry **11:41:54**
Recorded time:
**9:01:58**
